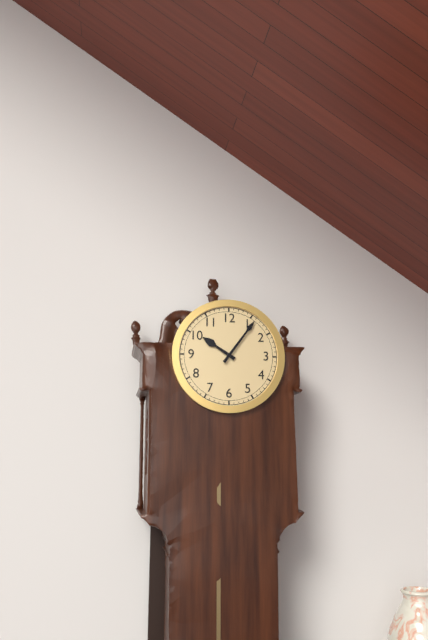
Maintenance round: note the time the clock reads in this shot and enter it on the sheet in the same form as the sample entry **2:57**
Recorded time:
**10:06**
